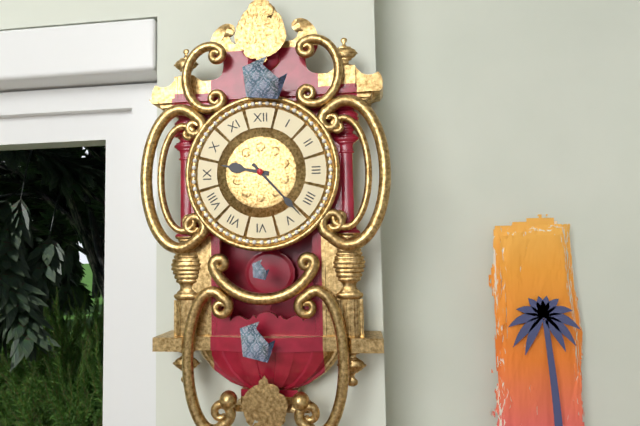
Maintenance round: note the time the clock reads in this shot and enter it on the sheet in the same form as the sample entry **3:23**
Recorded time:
**9:23**
